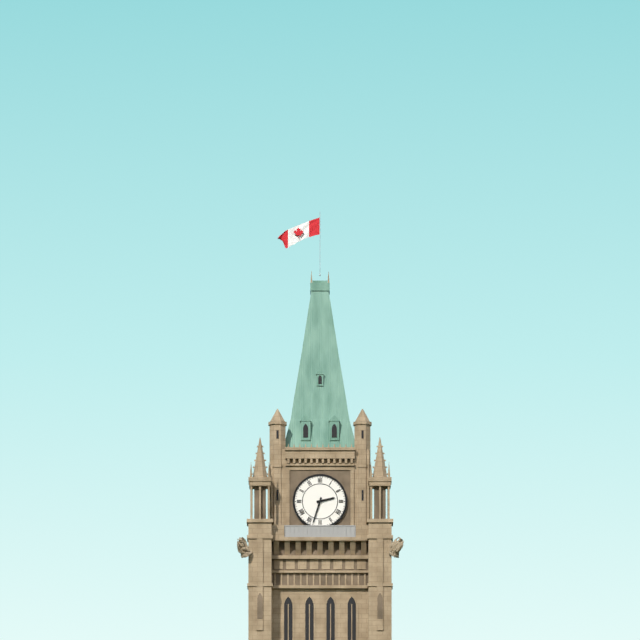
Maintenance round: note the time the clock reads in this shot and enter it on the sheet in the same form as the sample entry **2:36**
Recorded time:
**2:33**
